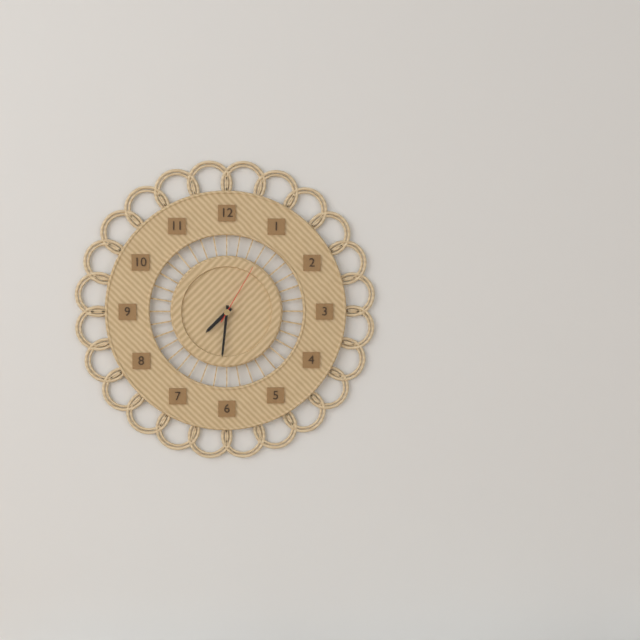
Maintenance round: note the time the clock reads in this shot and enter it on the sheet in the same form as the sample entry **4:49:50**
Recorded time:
**7:31:05**
